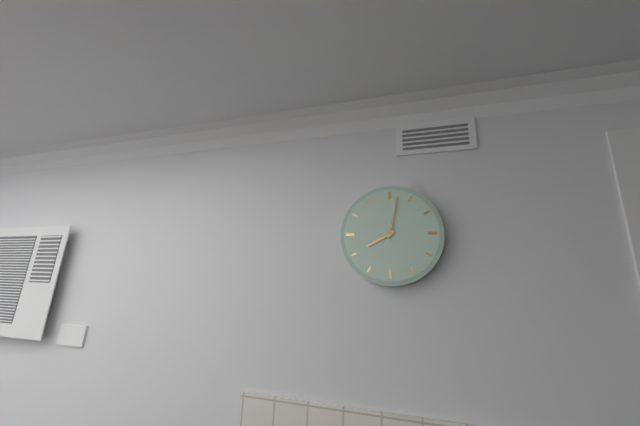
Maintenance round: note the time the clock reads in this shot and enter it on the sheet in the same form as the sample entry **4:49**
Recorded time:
**8:02**
